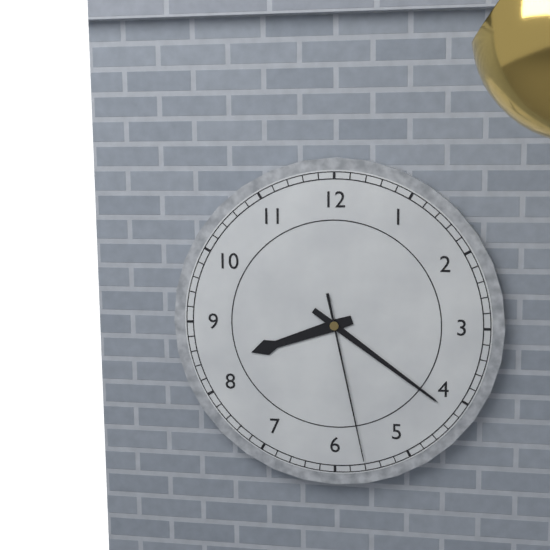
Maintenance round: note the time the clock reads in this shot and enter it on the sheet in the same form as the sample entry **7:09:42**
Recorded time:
**8:21:28**
